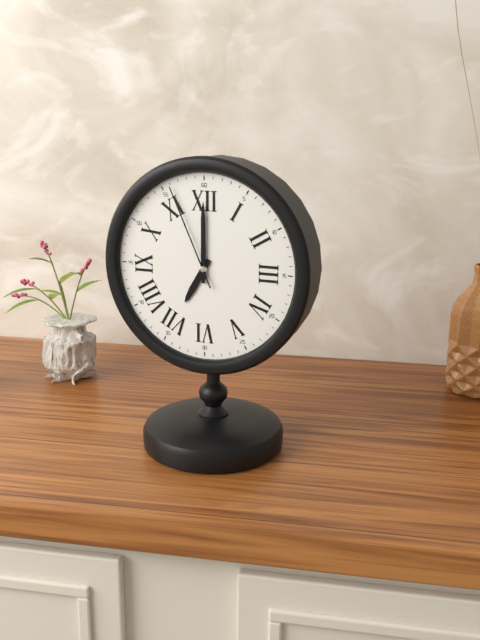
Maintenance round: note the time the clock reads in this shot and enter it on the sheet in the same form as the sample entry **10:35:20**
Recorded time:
**7:00:56**
